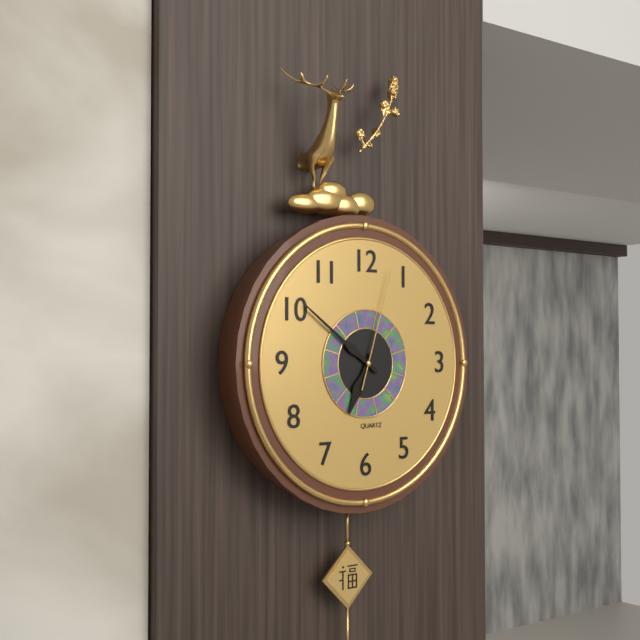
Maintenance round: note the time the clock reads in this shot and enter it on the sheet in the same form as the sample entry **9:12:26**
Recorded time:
**6:51:03**
